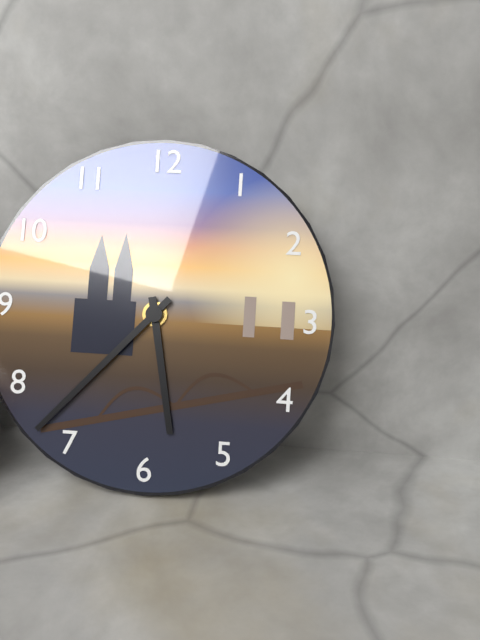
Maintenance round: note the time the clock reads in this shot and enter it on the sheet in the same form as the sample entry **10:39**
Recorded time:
**5:37**
